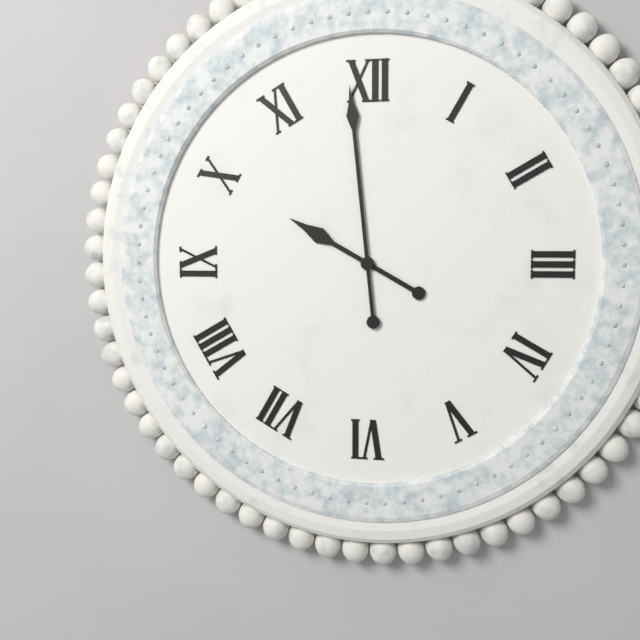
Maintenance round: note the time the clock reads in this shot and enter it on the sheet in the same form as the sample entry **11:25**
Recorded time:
**9:59**
